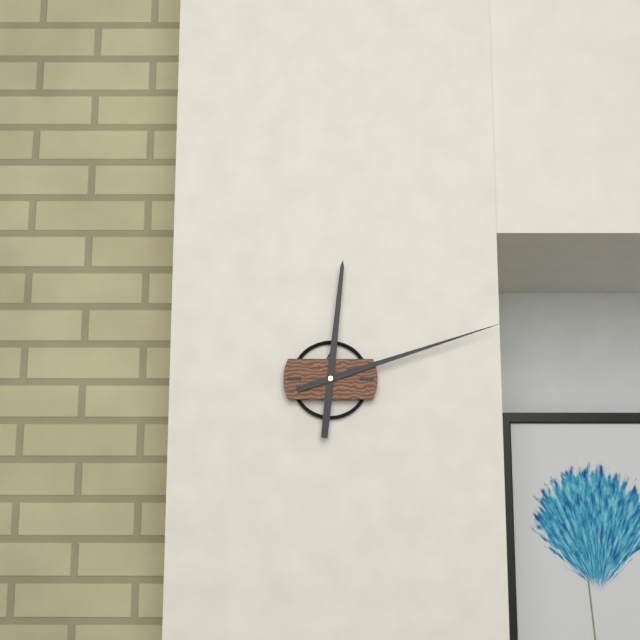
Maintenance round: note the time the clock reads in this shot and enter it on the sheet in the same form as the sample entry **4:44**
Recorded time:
**12:12**
